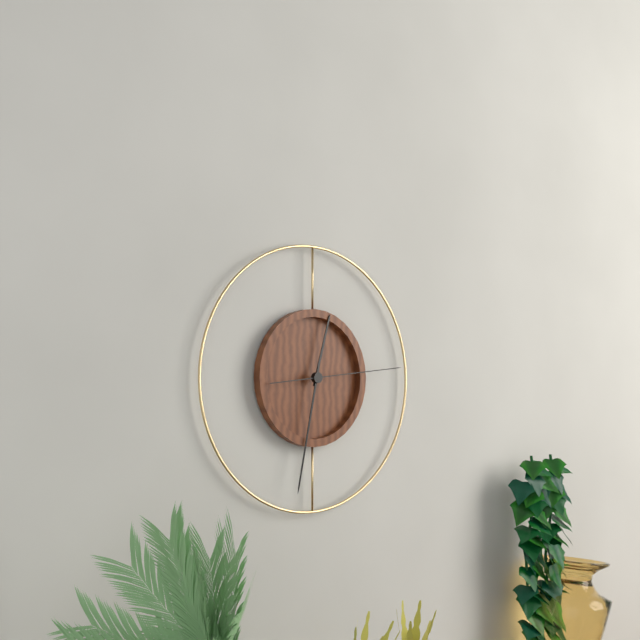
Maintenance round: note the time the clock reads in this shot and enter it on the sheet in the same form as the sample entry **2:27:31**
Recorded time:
**12:32:14**
